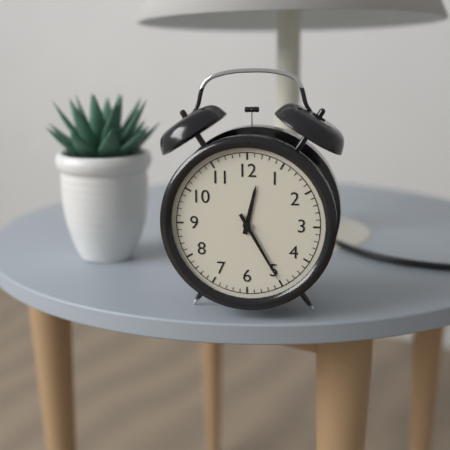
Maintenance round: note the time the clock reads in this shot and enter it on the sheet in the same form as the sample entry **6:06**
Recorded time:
**12:25**
